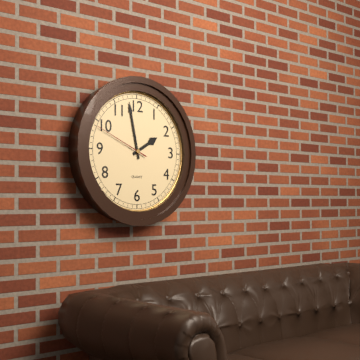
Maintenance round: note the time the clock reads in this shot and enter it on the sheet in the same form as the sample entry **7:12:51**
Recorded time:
**1:58:49**
